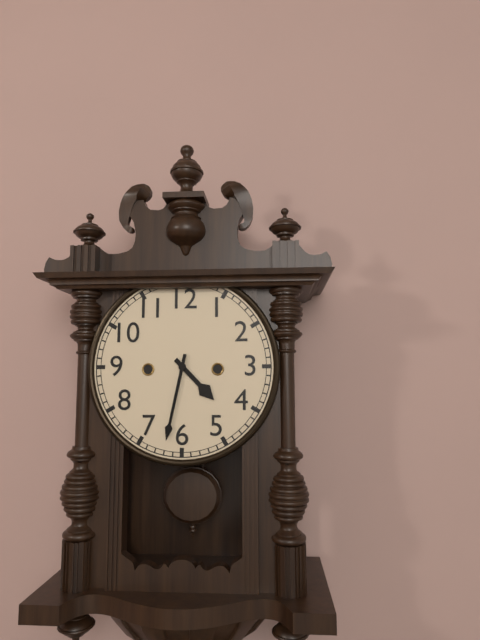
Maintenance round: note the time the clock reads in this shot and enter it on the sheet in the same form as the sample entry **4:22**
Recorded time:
**4:32**
